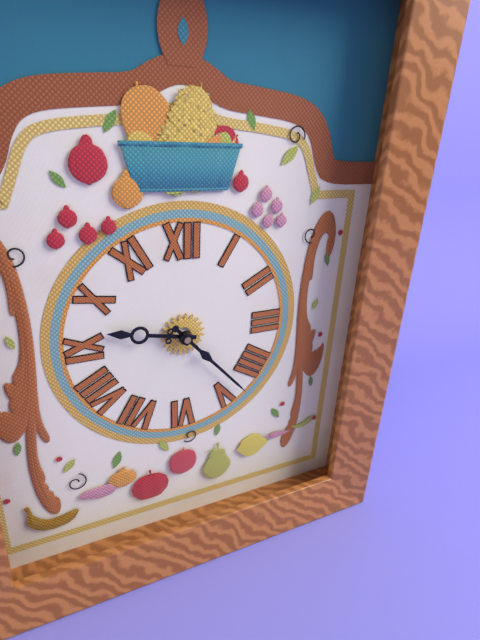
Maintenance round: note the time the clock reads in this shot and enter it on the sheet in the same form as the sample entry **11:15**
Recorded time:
**9:23**
